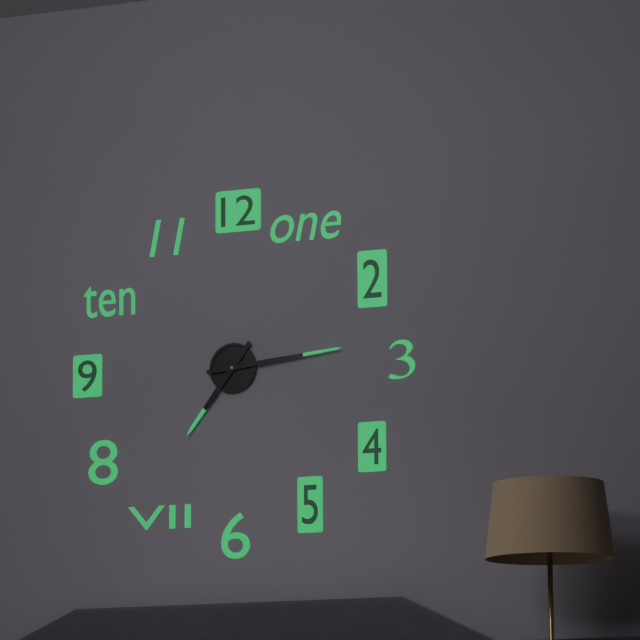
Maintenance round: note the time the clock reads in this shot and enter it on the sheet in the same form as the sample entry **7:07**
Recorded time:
**7:14**
